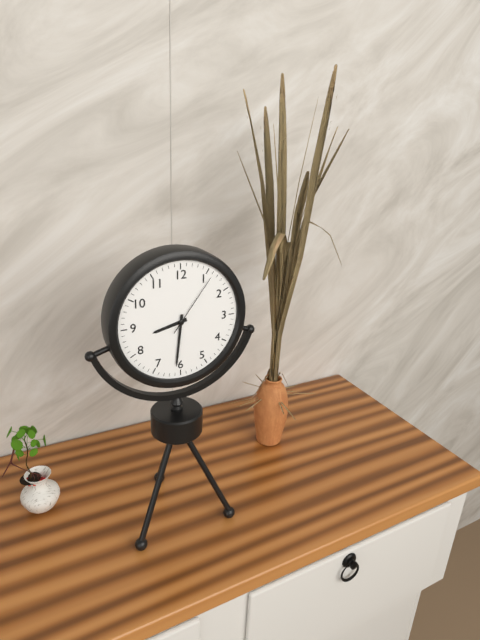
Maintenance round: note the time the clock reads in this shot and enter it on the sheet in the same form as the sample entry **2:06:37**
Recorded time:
**8:31:06**
